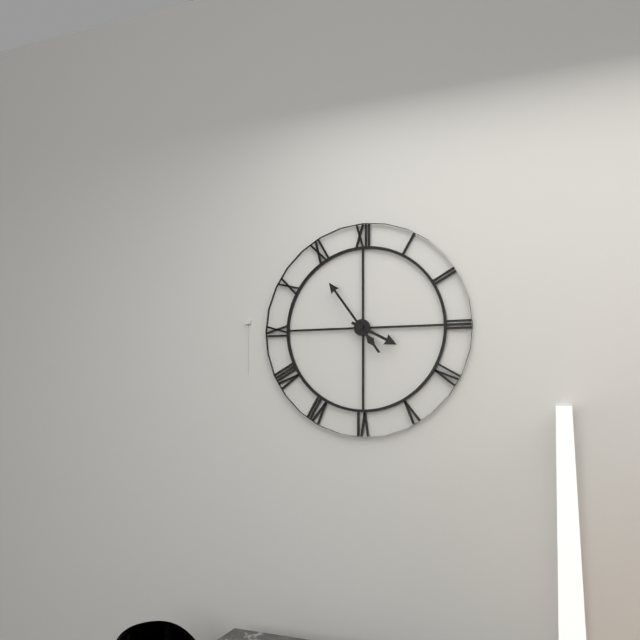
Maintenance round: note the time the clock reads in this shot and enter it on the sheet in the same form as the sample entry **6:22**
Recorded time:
**3:54**
